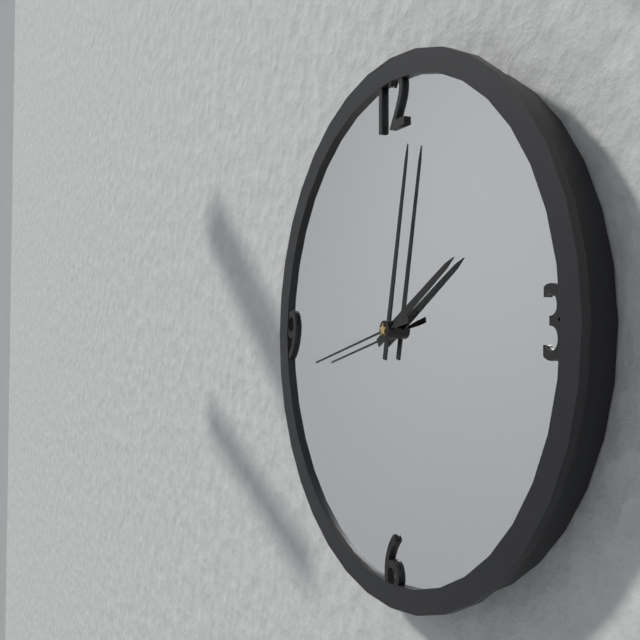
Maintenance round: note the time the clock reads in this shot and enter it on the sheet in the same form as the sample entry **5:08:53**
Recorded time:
**2:02:43**
